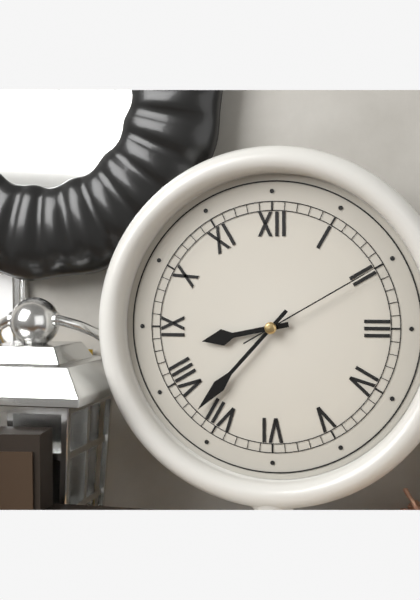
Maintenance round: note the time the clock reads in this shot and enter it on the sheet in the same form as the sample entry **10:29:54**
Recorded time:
**8:37:10**
